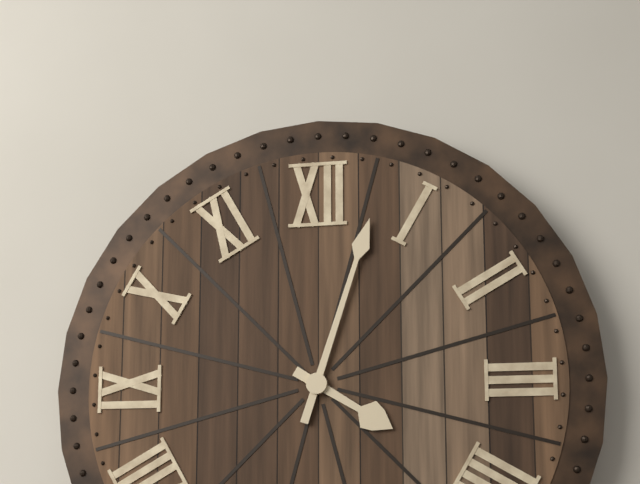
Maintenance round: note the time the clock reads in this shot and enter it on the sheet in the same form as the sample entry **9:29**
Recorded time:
**4:03**
